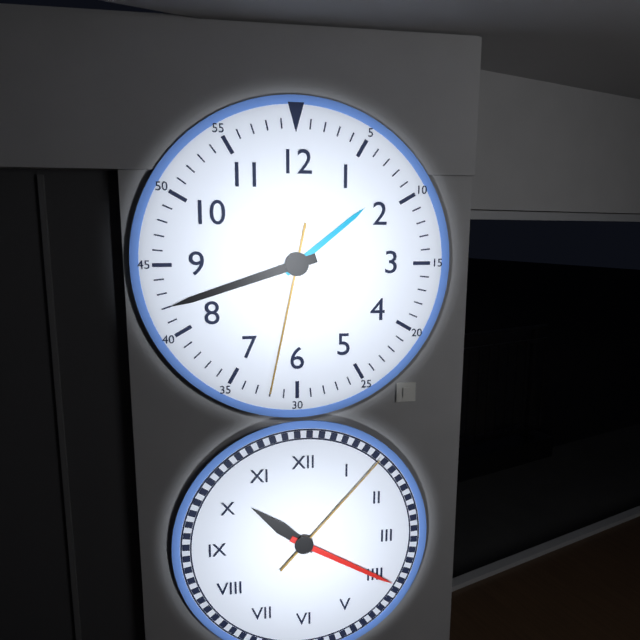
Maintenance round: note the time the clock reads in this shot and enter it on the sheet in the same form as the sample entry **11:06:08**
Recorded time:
**1:42:32**
